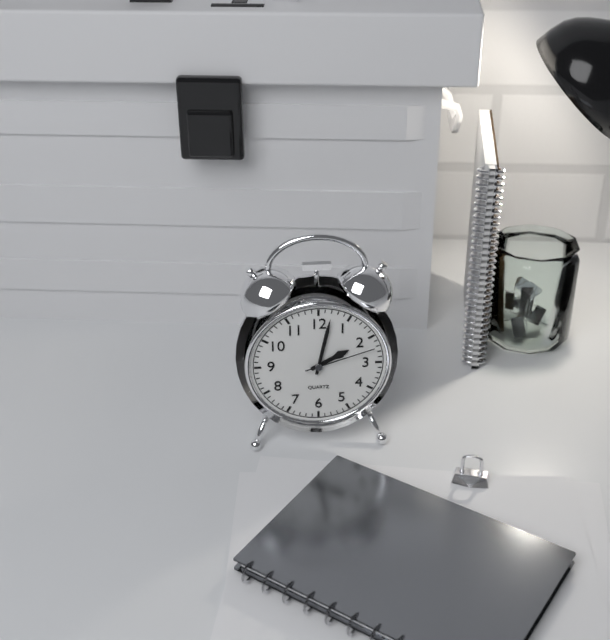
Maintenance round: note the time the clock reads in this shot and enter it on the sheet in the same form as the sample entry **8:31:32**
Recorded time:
**2:02:12**
